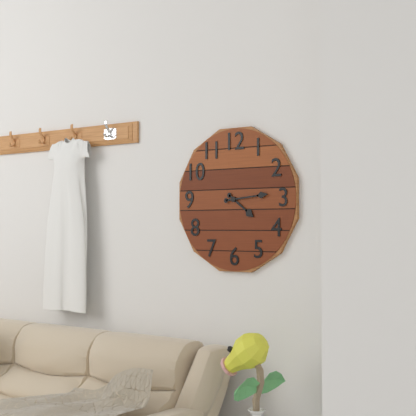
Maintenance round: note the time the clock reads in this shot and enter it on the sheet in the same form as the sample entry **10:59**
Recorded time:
**4:14**
